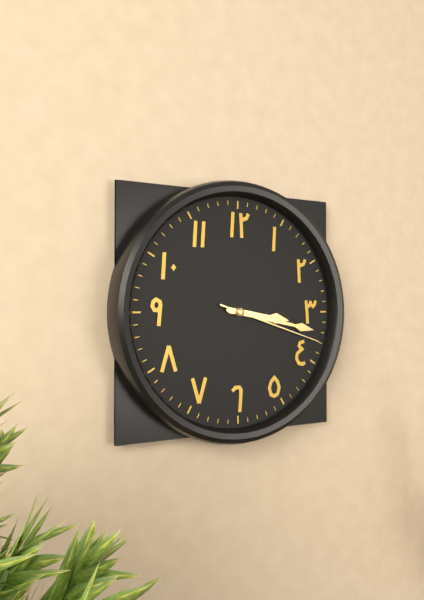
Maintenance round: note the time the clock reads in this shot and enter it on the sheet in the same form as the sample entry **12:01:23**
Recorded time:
**3:17:18**
